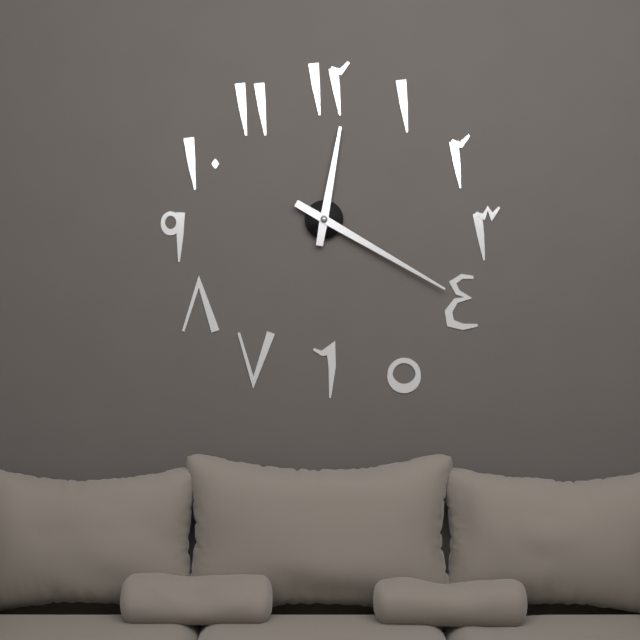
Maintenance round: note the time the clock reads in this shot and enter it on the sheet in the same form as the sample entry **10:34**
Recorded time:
**12:20**
